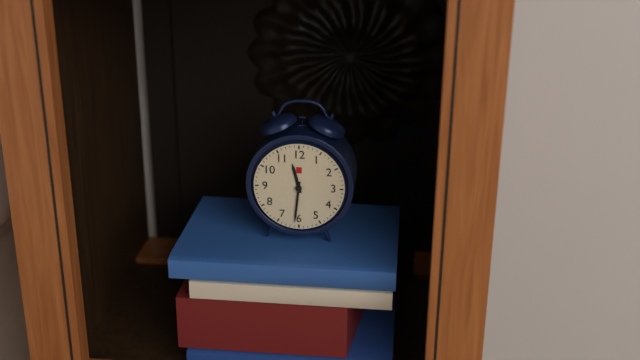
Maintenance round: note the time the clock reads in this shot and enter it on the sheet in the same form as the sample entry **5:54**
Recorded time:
**11:31**
